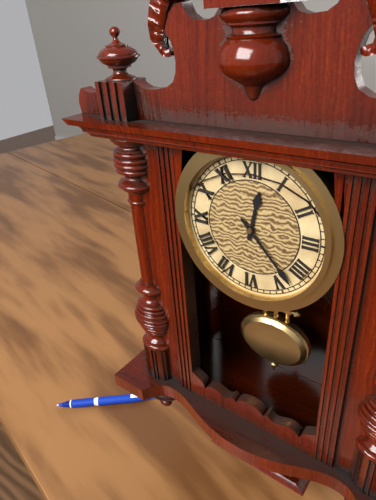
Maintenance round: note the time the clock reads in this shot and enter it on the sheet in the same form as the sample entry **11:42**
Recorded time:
**12:23**
